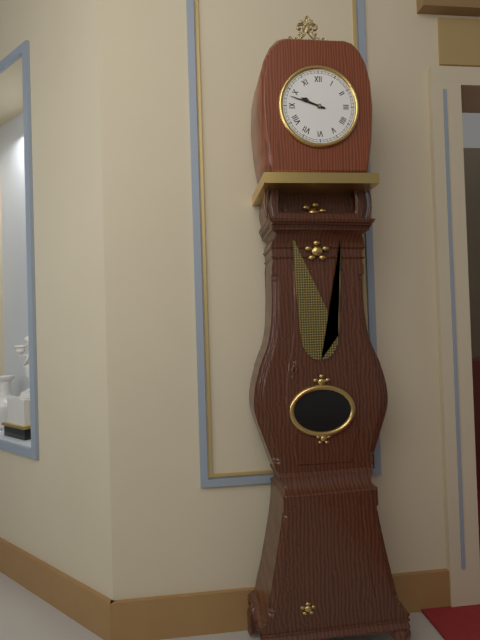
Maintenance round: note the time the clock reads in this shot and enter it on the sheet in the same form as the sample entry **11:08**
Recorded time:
**9:48**
